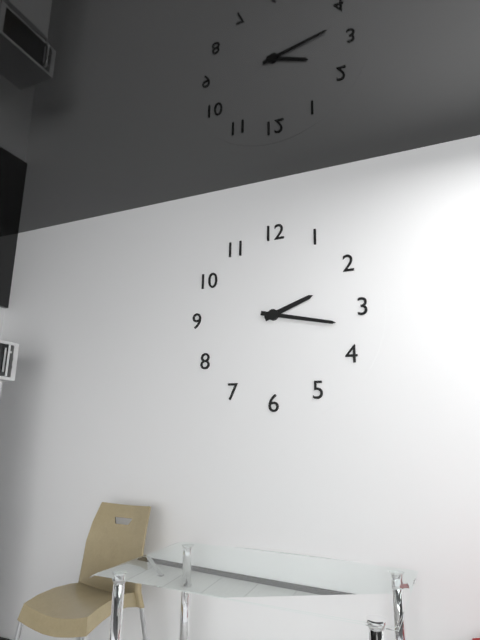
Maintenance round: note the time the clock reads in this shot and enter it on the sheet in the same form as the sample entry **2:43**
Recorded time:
**2:17**
